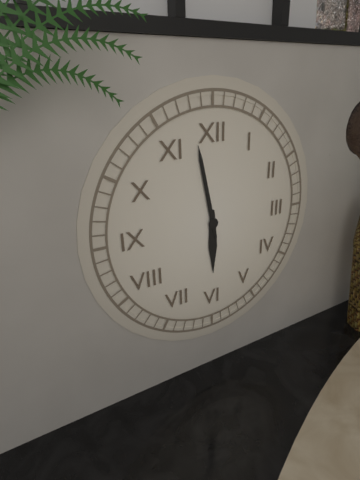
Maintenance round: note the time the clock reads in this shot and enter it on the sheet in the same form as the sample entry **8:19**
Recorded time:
**5:58**
